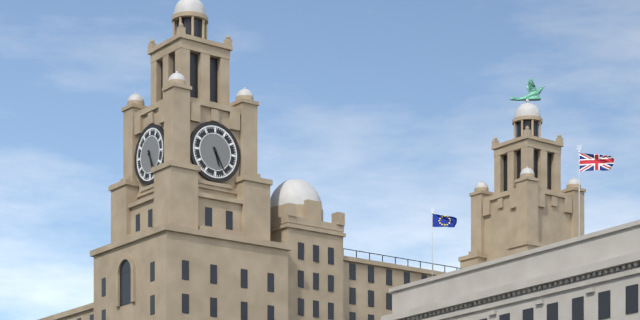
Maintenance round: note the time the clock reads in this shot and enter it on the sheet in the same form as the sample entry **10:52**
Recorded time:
**5:25**
